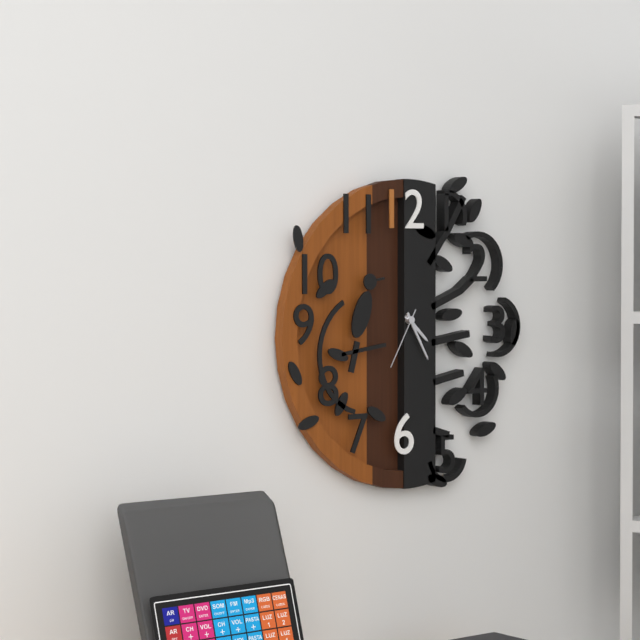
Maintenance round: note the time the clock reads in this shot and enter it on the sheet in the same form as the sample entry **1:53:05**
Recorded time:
**4:25:35**
